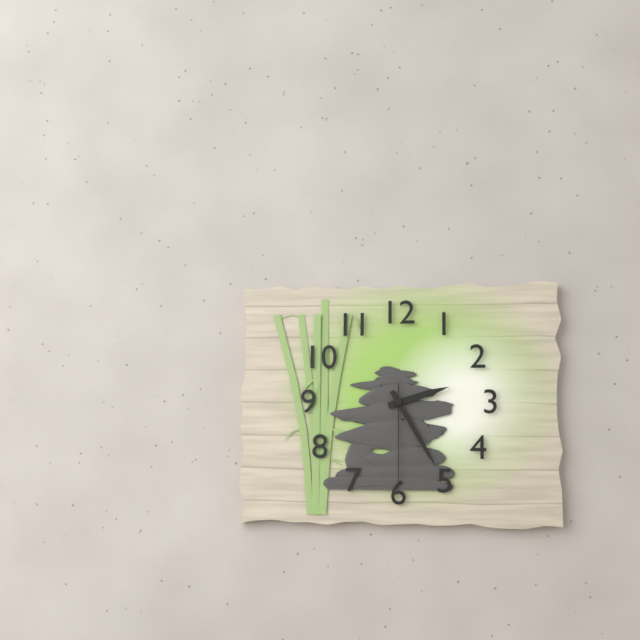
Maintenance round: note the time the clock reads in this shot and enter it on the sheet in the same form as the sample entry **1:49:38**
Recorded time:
**2:25:30**
